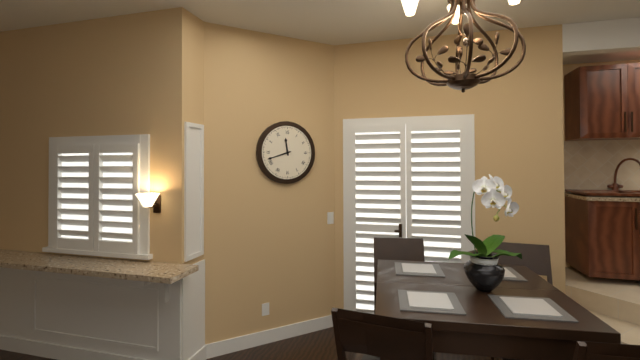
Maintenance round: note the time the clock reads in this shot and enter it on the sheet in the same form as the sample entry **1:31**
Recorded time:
**11:42**
